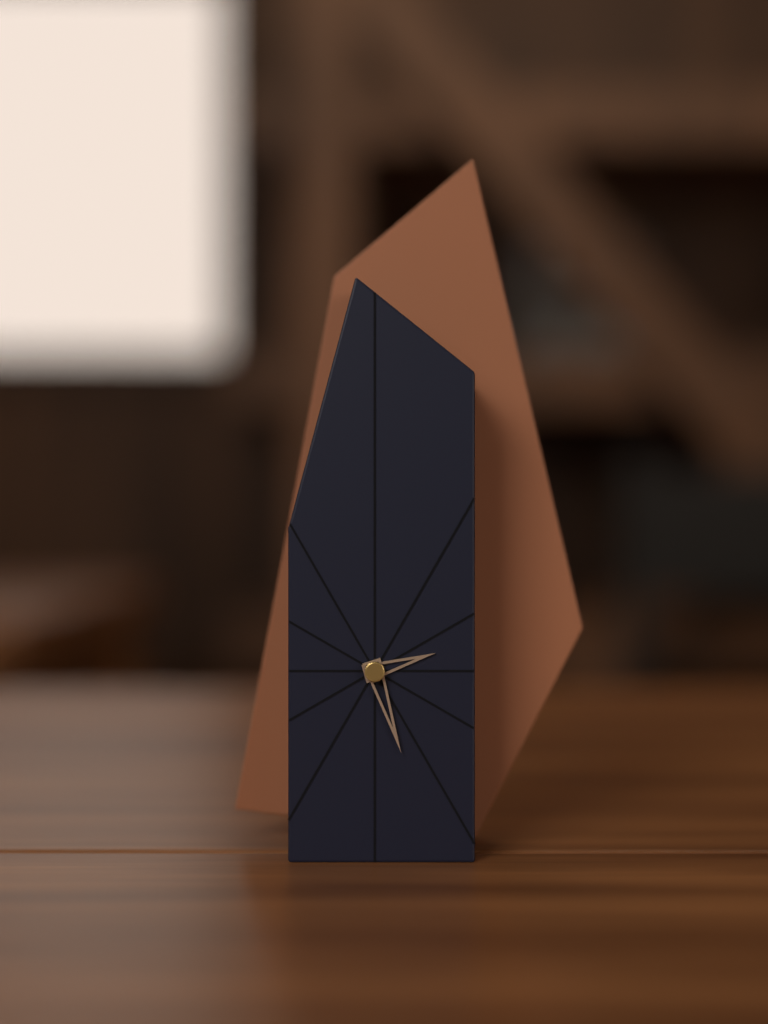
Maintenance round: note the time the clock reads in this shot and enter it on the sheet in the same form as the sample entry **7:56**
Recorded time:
**2:27**
